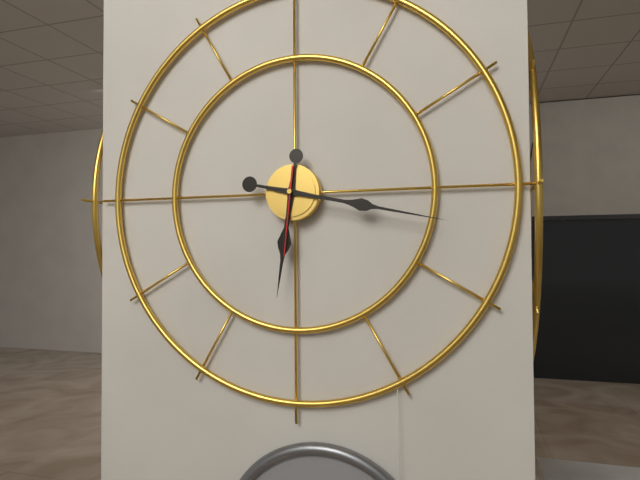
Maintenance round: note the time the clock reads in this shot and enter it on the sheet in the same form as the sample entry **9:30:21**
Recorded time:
**6:17:31**
